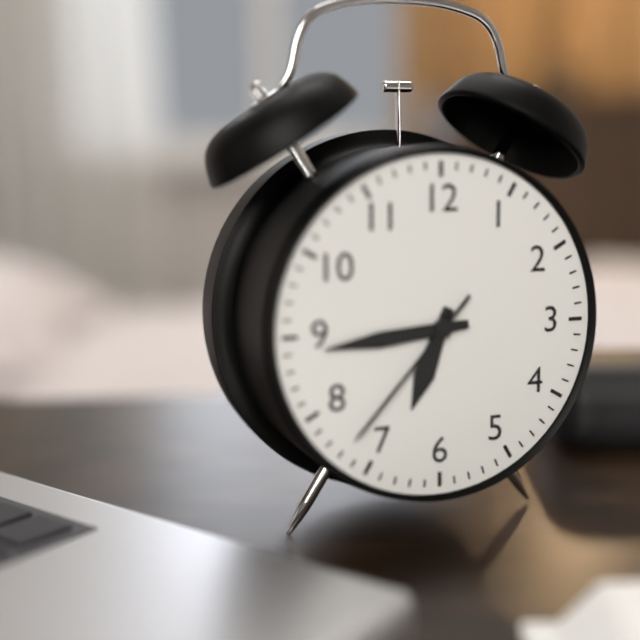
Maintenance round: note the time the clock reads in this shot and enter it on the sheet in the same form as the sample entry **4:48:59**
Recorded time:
**6:44:37**
